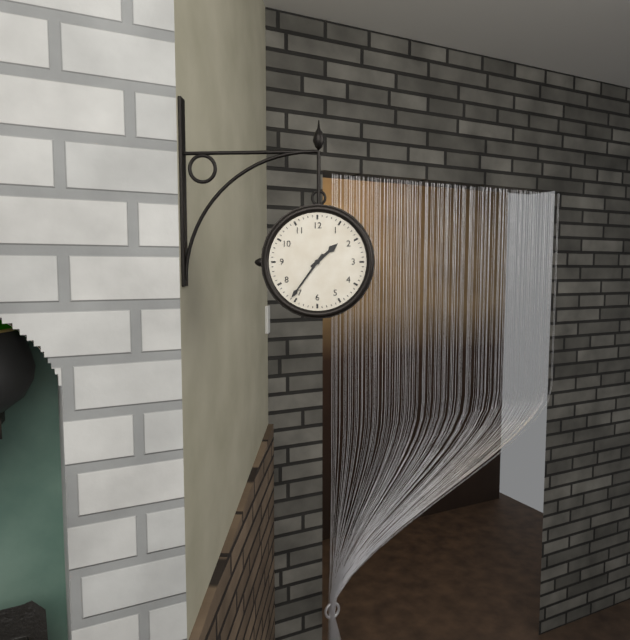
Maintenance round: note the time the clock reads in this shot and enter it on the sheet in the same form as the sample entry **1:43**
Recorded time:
**1:36**
